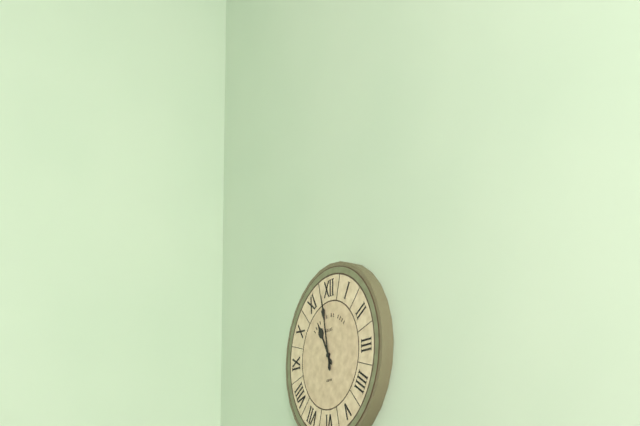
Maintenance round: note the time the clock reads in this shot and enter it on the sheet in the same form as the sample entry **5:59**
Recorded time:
**10:58**
